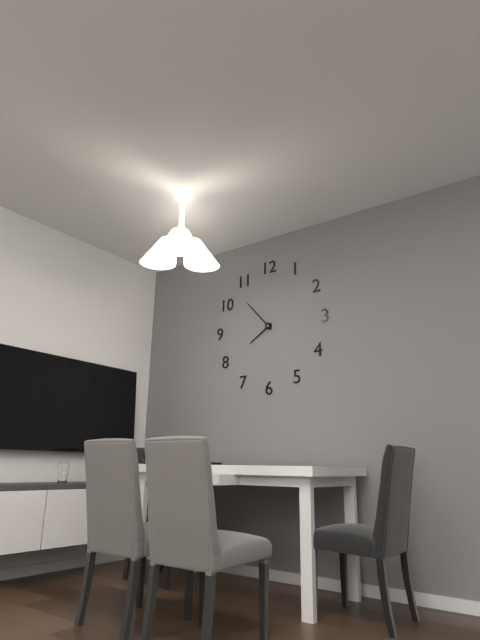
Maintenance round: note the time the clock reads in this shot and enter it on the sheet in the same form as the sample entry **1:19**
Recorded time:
**7:53**
